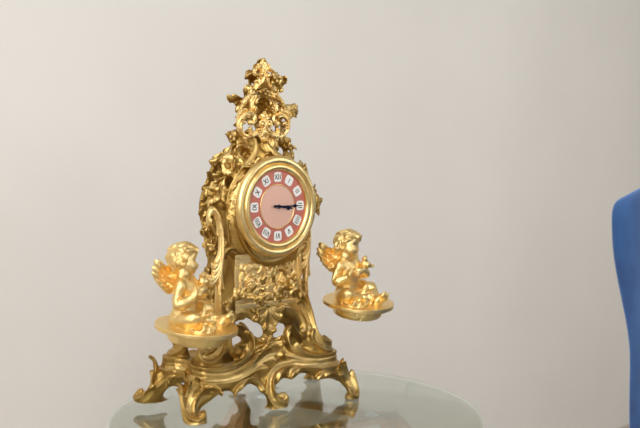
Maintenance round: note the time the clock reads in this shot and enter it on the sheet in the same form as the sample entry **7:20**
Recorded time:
**3:15**
